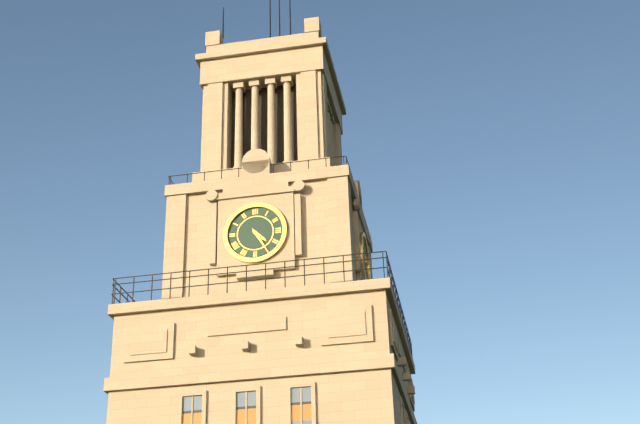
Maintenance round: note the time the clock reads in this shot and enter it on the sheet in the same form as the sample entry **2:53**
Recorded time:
**4:25**
